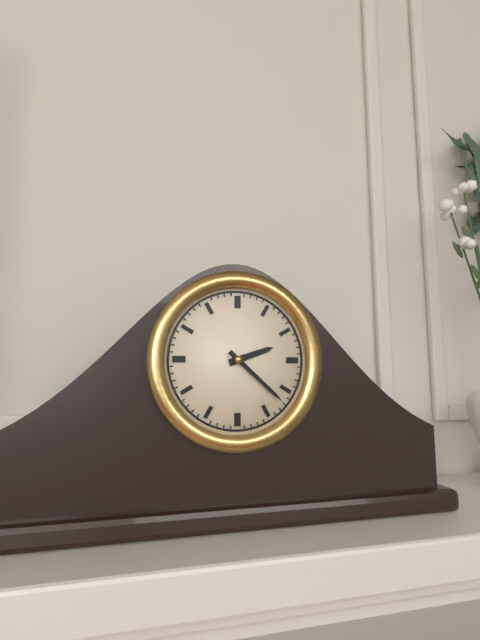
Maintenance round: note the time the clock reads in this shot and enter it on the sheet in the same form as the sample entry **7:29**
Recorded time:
**2:22**
